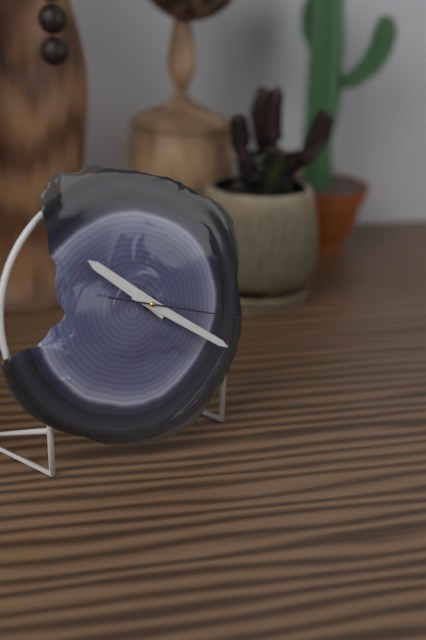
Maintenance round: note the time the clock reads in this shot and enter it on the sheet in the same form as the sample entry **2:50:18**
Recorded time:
**10:21:18**
